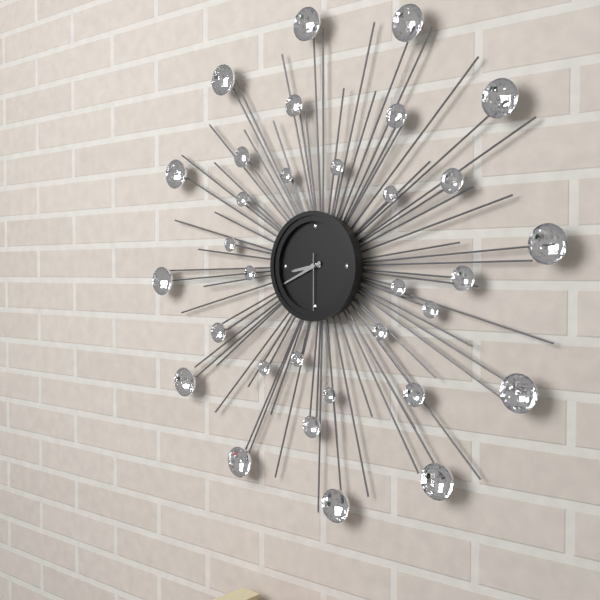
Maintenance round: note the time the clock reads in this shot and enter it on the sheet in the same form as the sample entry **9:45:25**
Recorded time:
**8:41:30**
